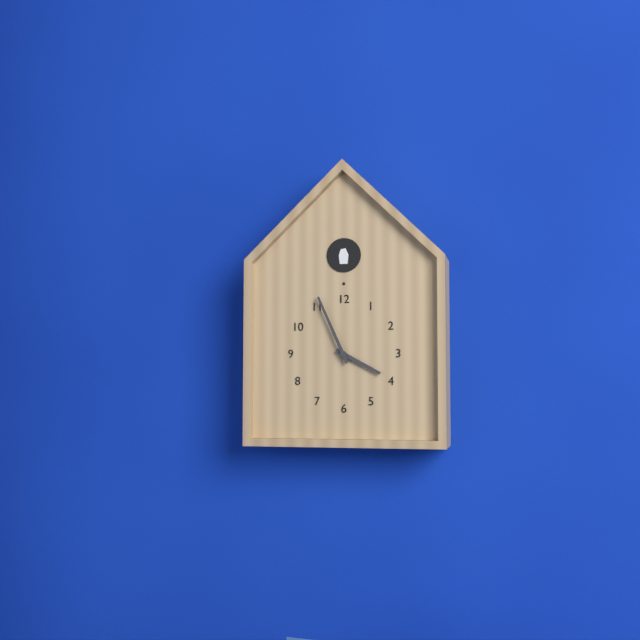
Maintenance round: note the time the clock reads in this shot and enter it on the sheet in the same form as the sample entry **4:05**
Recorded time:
**3:56**
